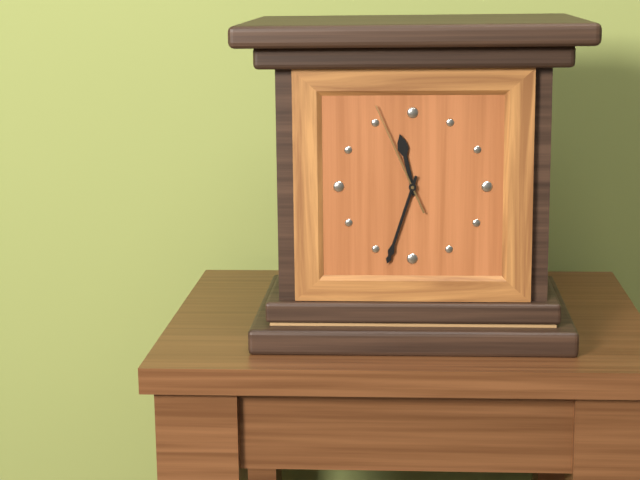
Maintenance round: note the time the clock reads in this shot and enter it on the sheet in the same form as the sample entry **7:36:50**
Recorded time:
**11:33:56**
